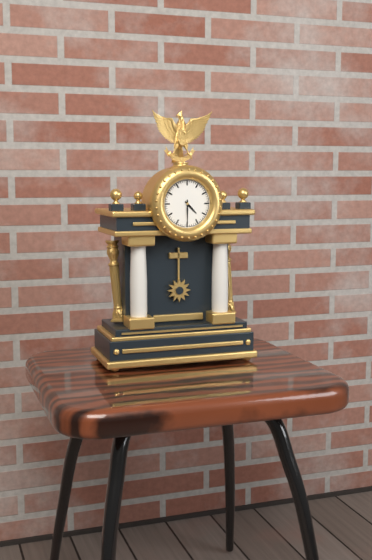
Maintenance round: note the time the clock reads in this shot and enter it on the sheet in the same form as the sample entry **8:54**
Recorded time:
**4:30**
